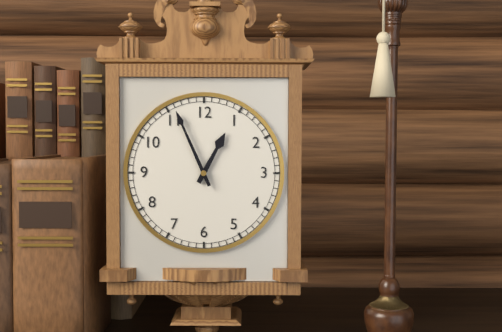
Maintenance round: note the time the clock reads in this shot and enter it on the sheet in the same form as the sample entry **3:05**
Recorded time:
**12:56**
